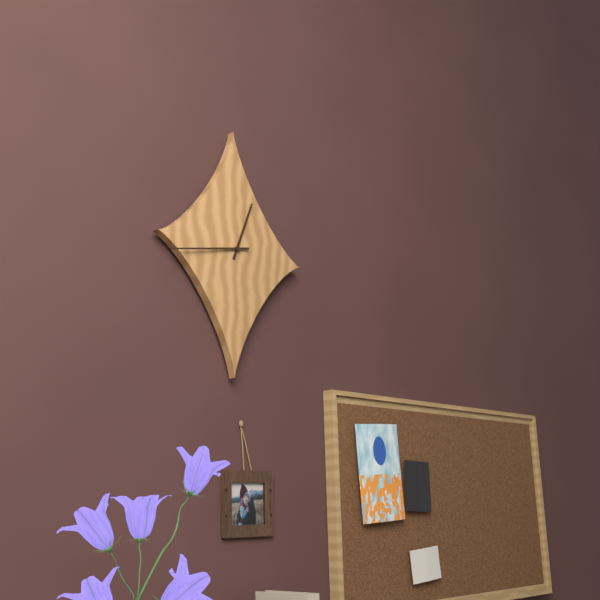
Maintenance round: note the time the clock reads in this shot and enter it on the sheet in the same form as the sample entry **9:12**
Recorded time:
**12:43**
